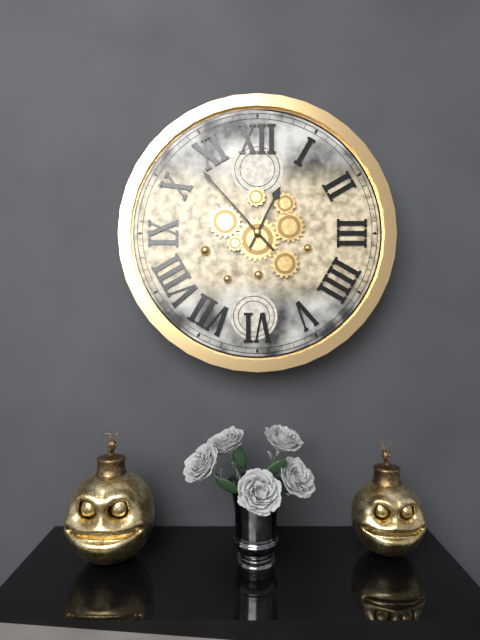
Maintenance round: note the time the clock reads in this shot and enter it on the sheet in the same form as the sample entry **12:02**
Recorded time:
**12:53**
